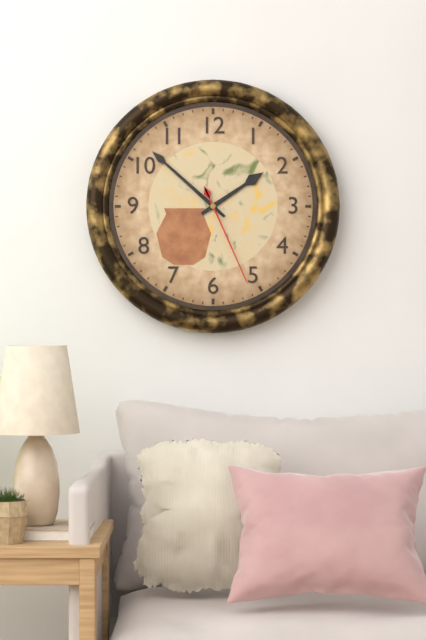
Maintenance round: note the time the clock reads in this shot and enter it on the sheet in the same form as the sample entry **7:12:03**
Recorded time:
**1:52:26**
